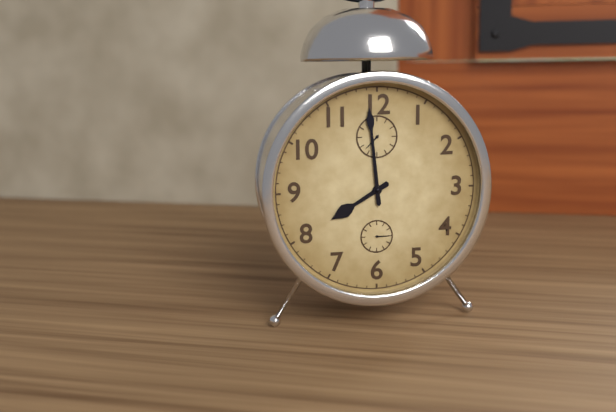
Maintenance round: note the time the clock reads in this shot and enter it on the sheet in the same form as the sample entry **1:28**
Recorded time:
**7:59**
